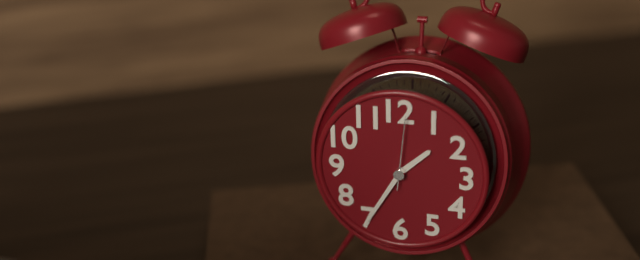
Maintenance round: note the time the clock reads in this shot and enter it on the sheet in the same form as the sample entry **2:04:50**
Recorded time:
**1:35:01**
